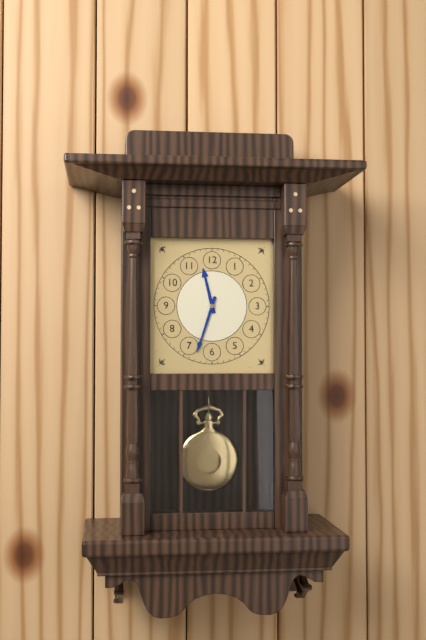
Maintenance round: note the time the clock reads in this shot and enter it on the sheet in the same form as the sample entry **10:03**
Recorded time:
**11:33**
